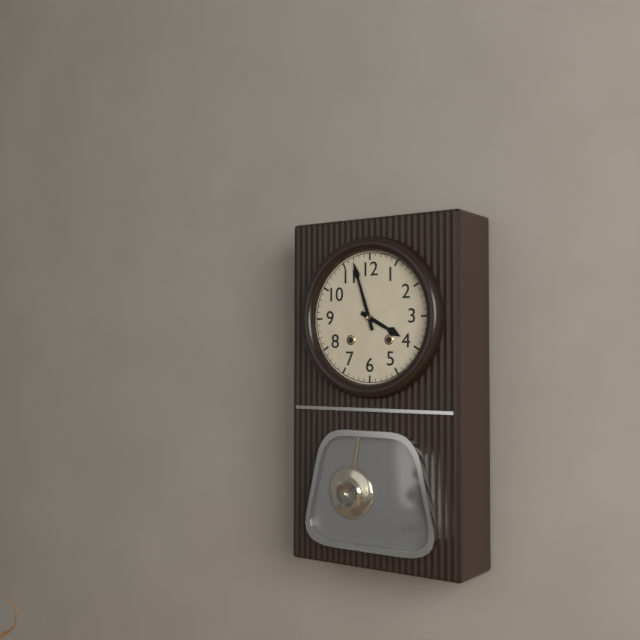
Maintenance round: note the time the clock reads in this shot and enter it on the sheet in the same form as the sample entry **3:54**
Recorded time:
**3:57**
